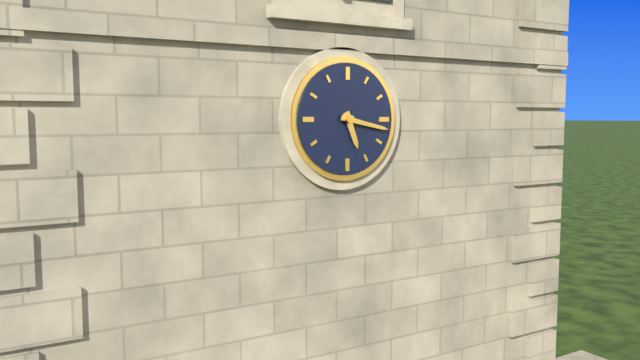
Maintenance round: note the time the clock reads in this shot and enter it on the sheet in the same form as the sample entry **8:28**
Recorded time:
**5:17**
